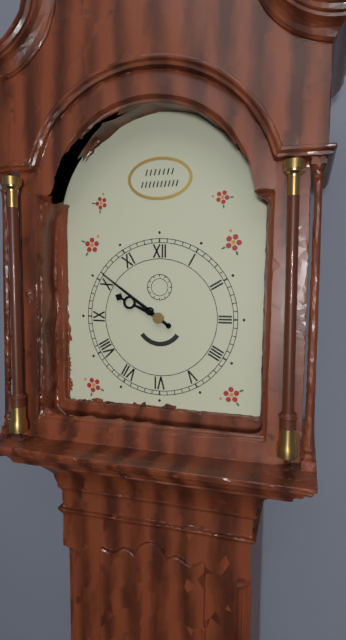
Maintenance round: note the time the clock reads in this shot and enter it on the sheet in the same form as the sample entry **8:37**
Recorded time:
**9:51**
